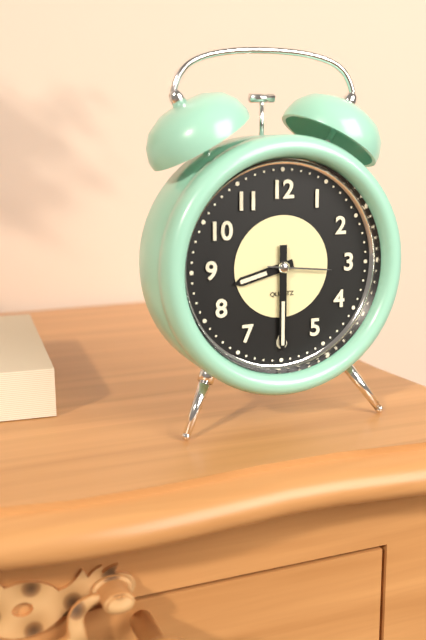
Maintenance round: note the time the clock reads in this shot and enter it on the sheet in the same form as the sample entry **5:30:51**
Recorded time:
**8:30:16**
